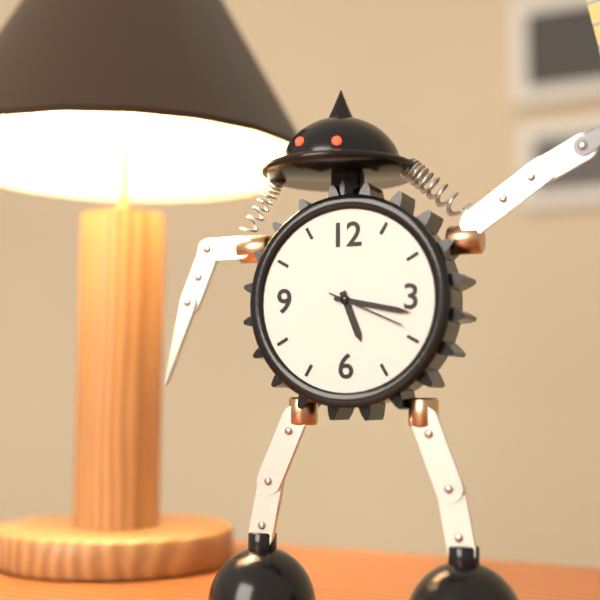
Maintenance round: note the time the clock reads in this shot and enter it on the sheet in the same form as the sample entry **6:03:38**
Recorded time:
**5:17:19**
